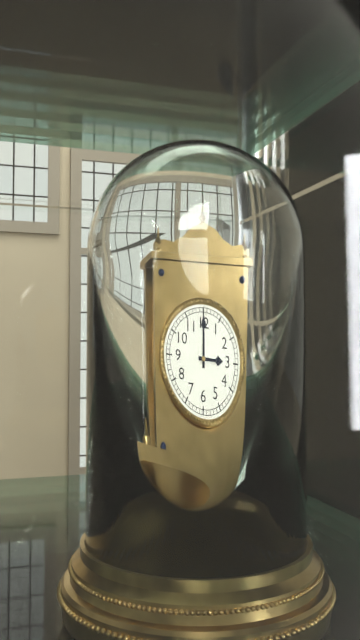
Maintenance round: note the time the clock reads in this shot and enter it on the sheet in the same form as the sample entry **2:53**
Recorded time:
**3:00**
